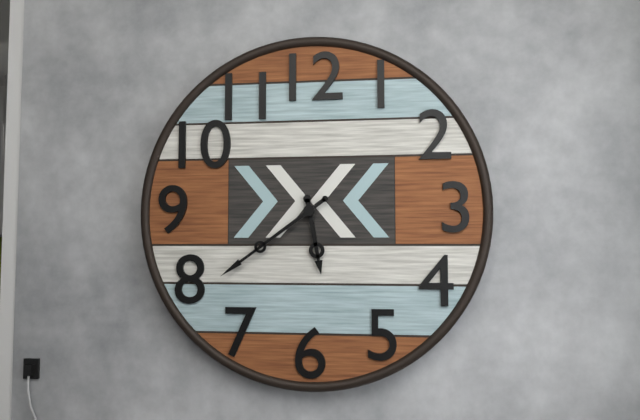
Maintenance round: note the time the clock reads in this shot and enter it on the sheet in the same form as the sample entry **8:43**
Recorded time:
**5:39**
